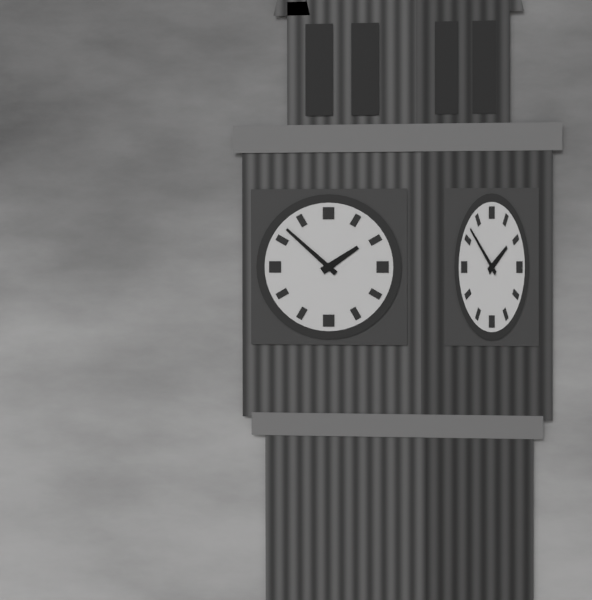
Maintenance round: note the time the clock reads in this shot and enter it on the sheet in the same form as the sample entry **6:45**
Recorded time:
**1:52**
